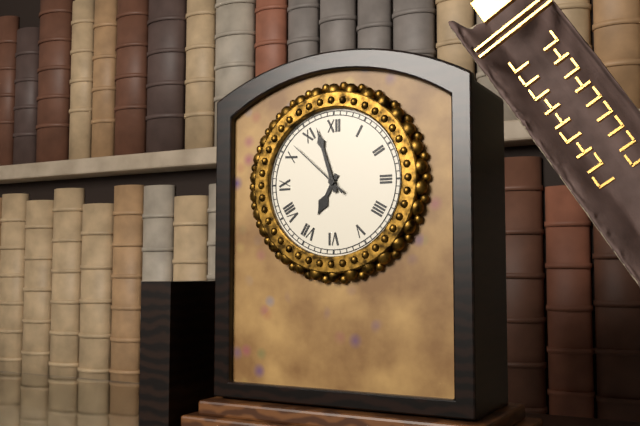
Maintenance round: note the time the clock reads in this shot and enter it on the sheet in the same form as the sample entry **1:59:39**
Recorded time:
**6:57:52**
